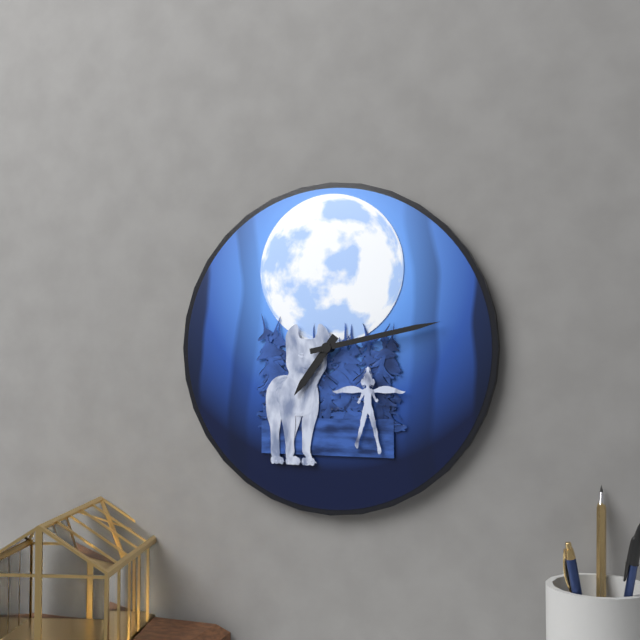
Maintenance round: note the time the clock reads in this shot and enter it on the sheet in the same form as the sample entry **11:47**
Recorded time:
**7:13**
